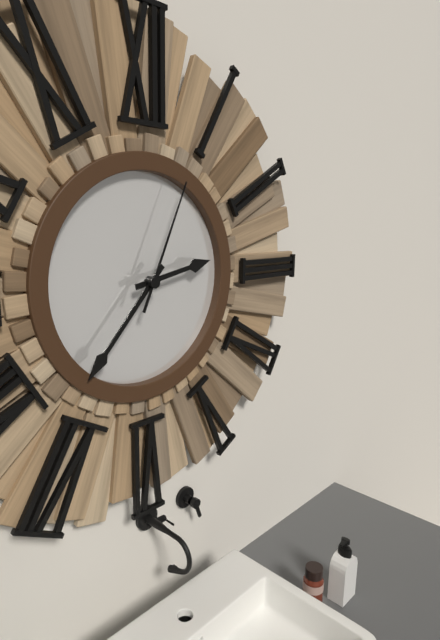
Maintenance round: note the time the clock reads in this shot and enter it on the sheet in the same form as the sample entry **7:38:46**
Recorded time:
**2:37:04**
